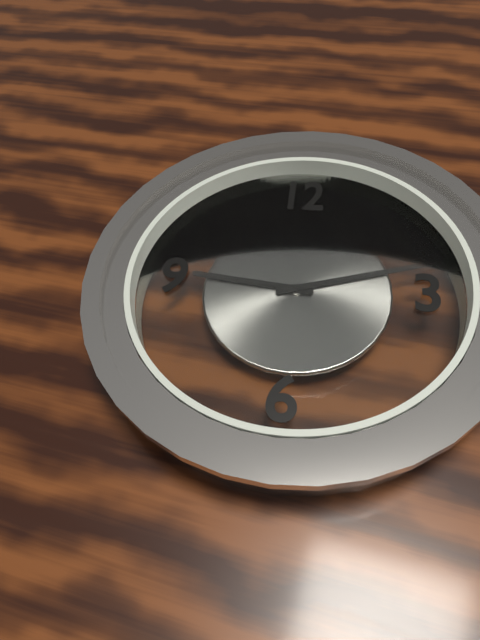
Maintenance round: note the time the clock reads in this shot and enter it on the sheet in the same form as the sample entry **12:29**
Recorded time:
**9:12**
